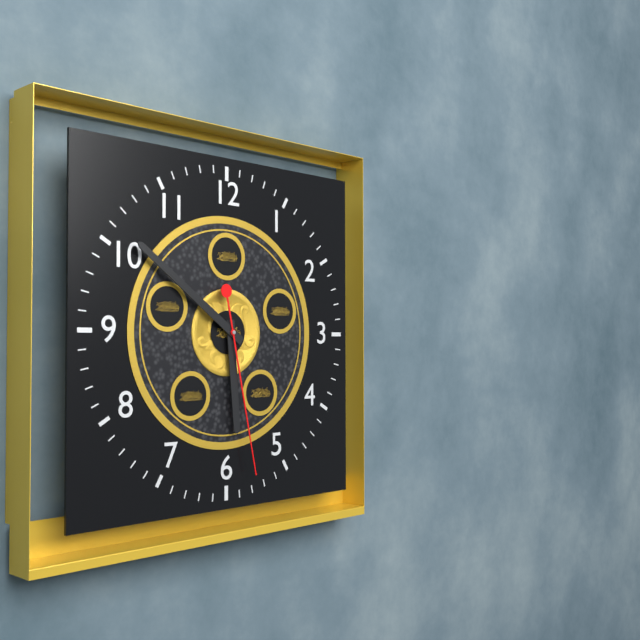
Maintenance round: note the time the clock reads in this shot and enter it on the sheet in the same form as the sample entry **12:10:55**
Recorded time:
**5:51:28**
